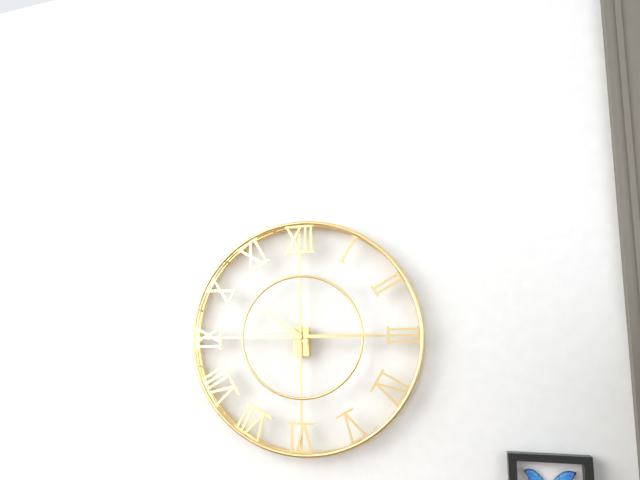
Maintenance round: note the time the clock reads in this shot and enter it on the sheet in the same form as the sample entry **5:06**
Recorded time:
**10:15**
